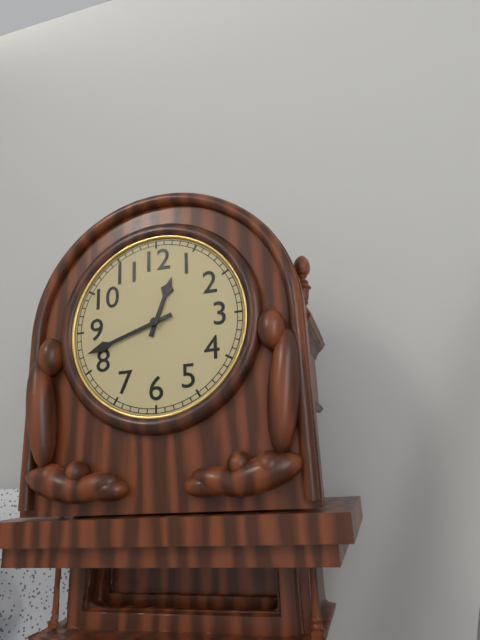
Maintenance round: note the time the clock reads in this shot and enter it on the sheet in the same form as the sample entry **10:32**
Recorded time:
**12:42**
